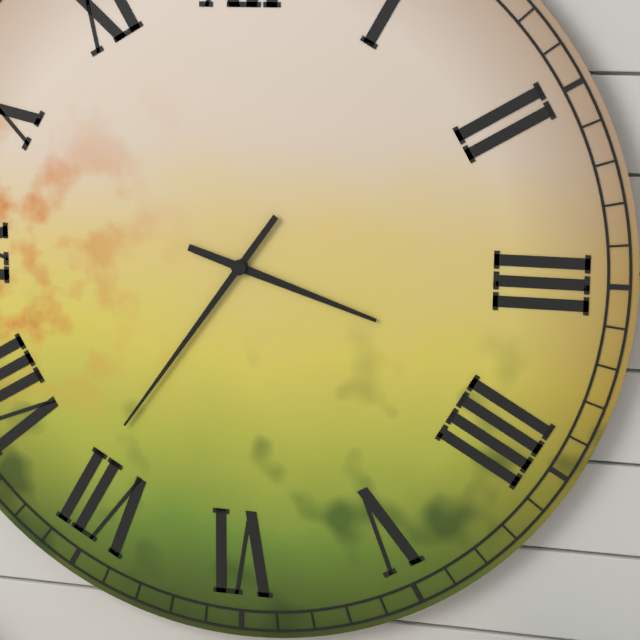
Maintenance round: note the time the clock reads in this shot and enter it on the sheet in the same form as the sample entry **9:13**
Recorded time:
**3:36**
